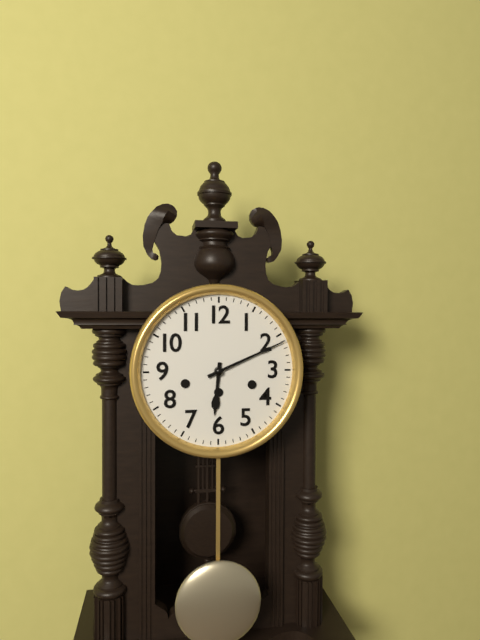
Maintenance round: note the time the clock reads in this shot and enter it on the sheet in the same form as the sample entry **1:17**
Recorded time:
**6:11**
